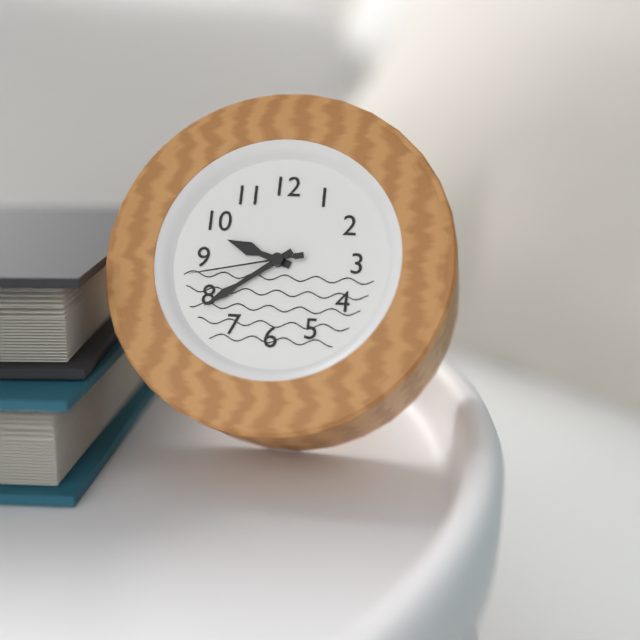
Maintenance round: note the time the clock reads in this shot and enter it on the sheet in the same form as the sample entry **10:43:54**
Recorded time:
**9:39:43**
